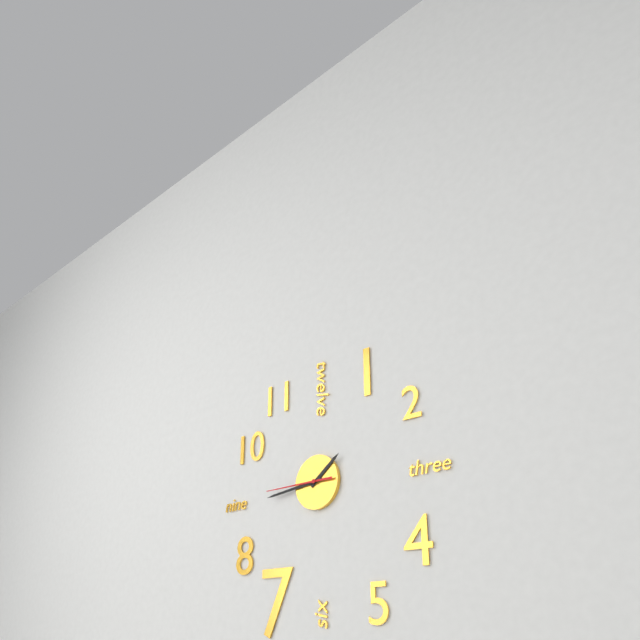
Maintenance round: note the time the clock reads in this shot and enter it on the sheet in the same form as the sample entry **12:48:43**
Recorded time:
**1:44:45**
